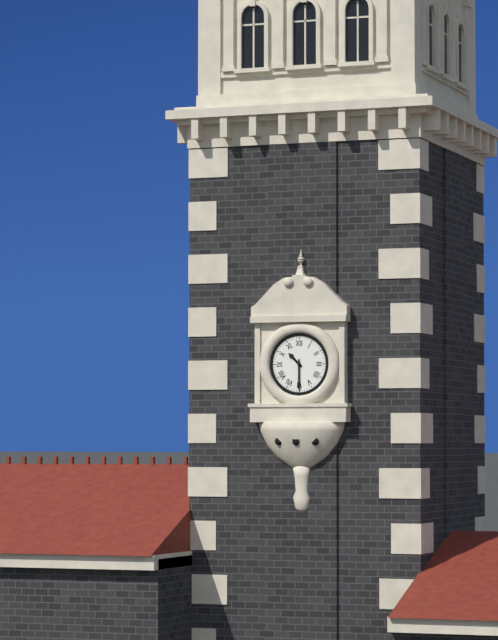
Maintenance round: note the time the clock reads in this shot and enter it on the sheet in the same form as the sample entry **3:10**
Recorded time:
**10:30**
